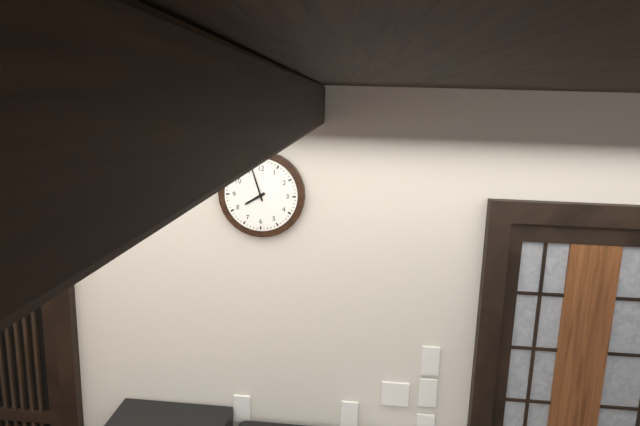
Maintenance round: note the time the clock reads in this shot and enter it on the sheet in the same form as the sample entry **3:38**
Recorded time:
**7:57**
